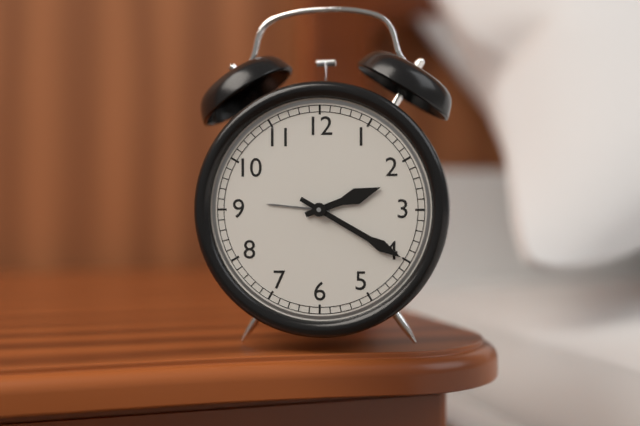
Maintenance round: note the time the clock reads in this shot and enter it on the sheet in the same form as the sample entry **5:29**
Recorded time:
**2:20**
